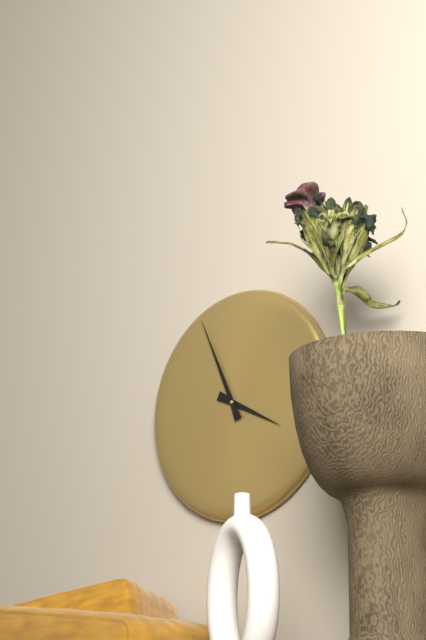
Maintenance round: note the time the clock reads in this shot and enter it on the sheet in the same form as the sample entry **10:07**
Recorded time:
**3:56**
